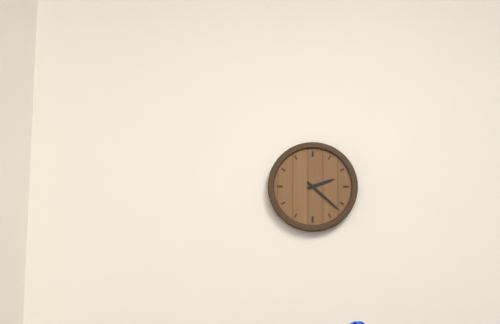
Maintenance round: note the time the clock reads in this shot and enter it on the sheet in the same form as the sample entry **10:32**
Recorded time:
**2:22**
